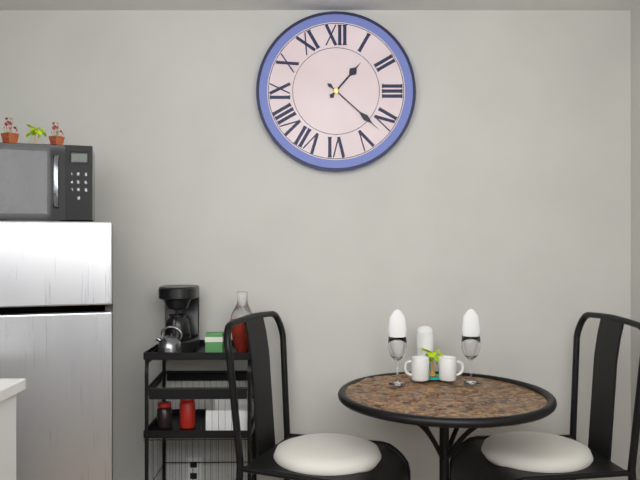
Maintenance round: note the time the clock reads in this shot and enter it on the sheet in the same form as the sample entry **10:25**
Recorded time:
**1:22**
